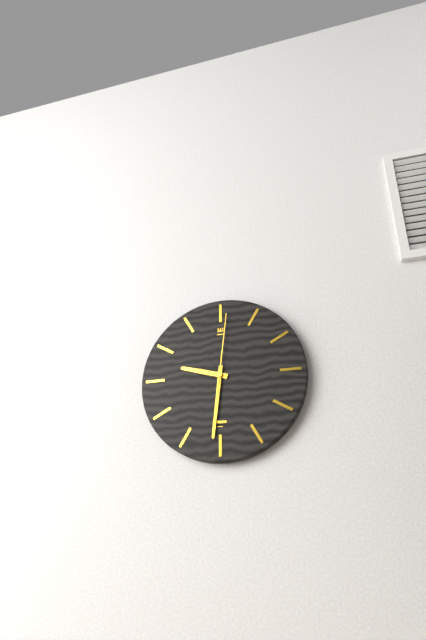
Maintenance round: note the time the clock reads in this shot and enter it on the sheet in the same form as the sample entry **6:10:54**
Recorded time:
**9:31:01**
